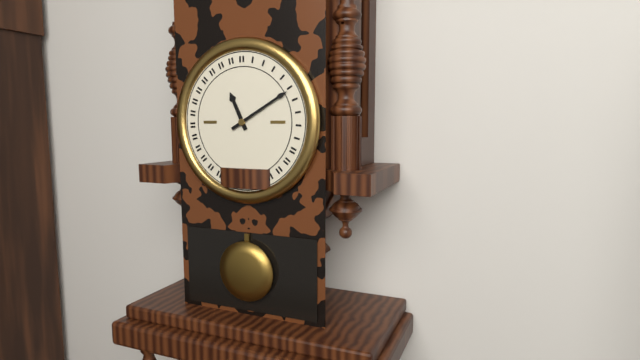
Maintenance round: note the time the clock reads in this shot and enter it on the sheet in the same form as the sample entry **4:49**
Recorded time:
**11:10**
